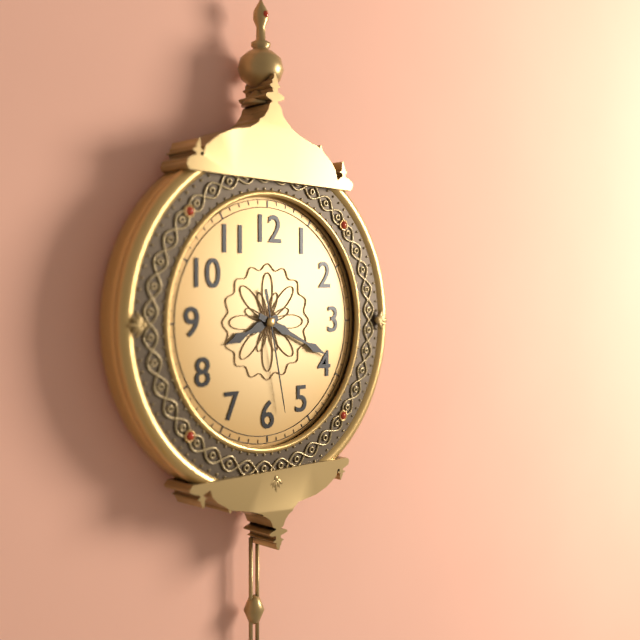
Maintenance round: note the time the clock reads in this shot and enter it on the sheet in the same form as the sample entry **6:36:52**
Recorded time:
**8:19:28**
